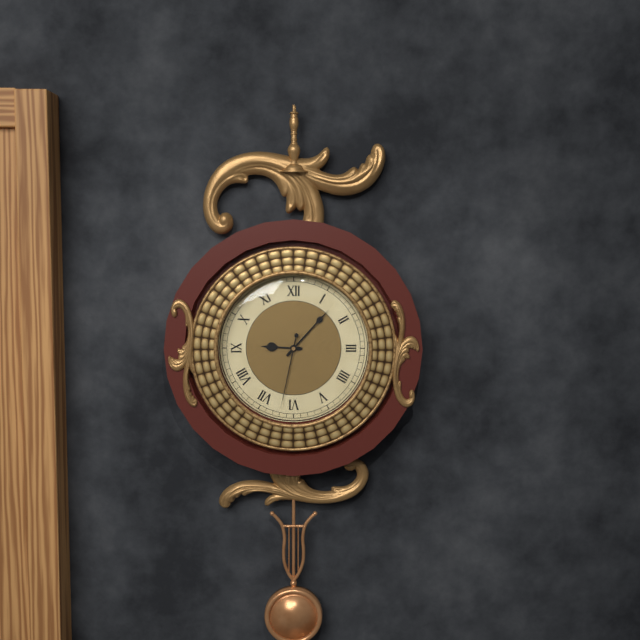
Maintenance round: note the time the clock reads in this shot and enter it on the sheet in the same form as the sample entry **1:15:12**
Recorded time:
**9:07:32**
